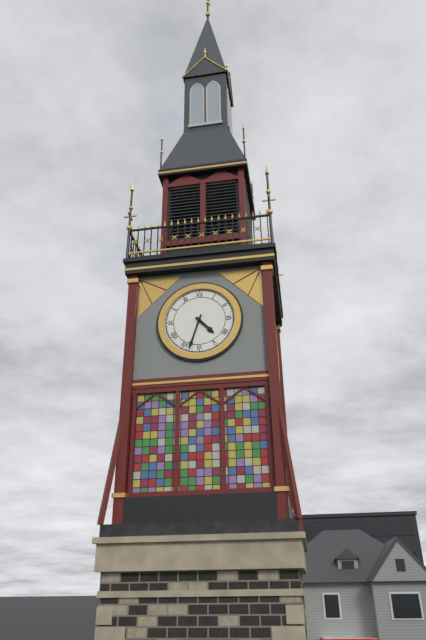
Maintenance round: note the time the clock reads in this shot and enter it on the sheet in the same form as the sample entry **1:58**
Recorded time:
**4:33**
